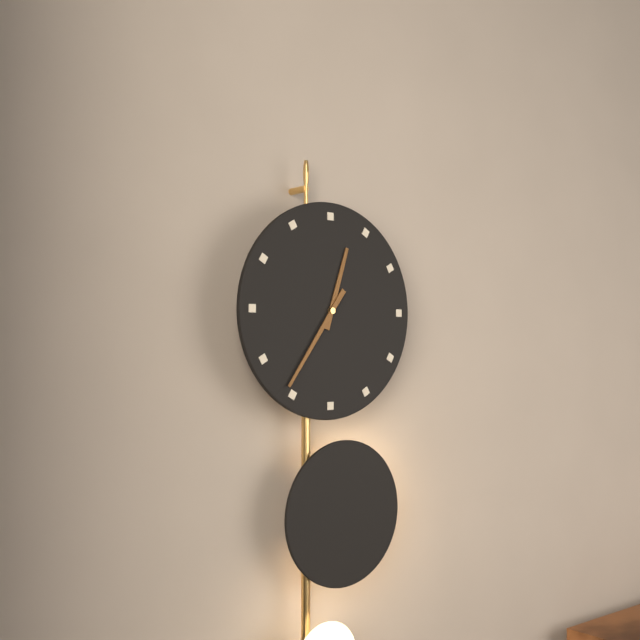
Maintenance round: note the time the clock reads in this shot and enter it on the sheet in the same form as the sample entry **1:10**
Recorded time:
**12:36**
